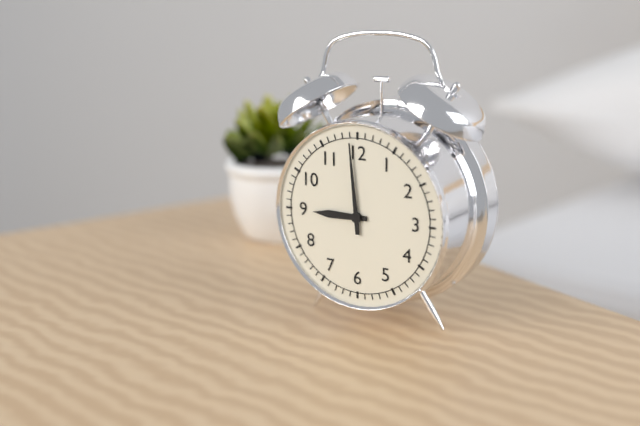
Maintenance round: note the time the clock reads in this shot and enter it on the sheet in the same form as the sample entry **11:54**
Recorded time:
**8:59**
